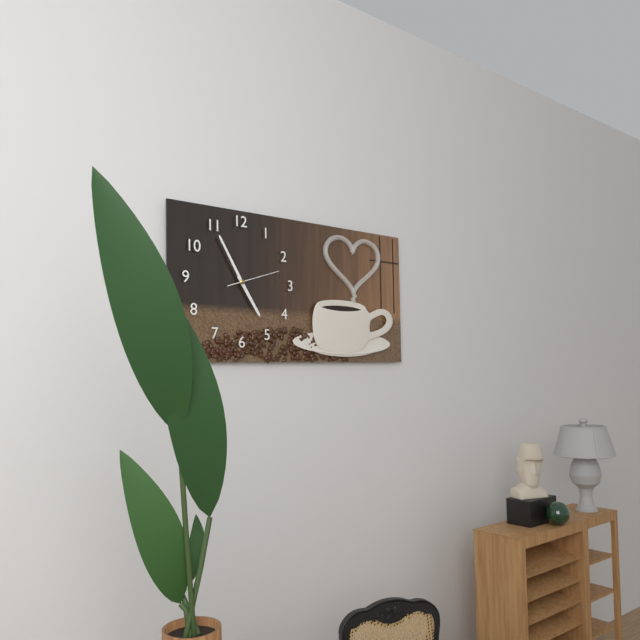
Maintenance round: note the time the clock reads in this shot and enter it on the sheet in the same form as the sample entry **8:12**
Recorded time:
**4:55**
